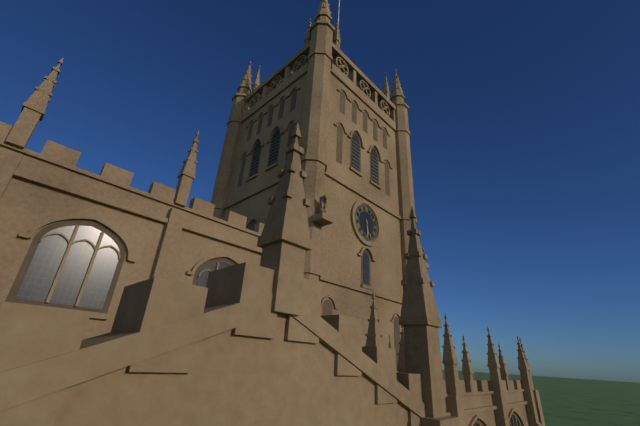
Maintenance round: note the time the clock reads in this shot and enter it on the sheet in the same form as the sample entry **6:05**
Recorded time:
**5:29**
